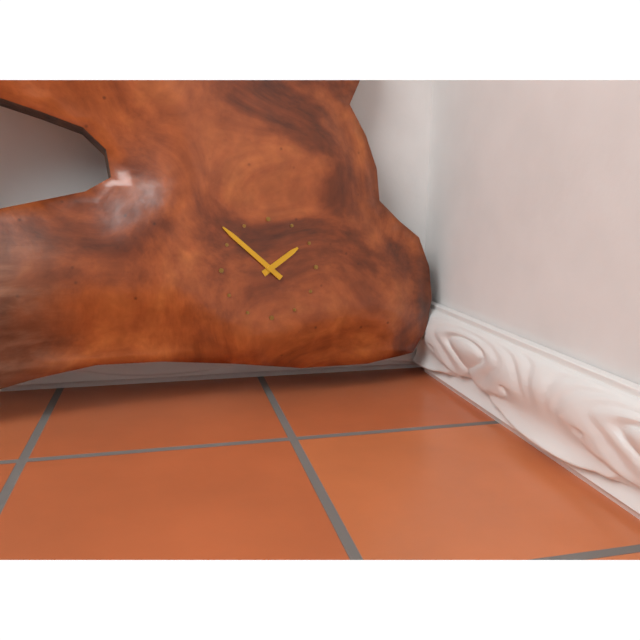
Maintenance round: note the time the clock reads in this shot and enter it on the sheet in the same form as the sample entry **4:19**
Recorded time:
**1:52**
